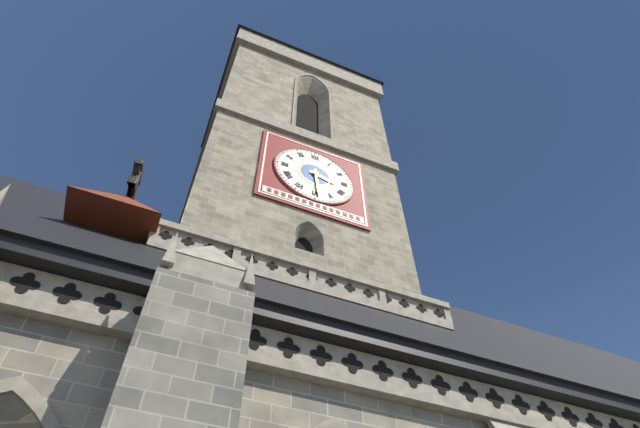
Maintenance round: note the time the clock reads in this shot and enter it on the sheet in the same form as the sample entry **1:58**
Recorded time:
**3:29**
